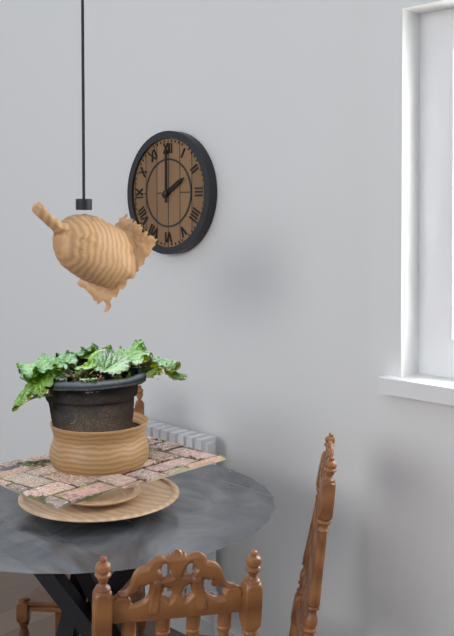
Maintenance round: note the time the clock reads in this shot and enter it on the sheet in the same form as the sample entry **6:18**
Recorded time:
**2:00**
